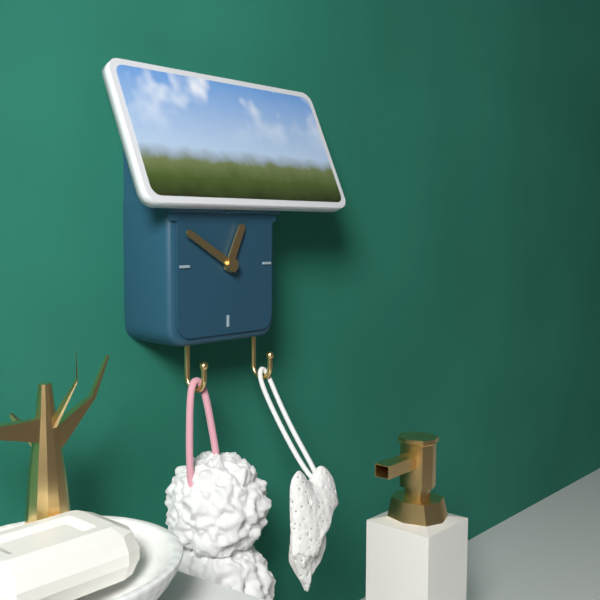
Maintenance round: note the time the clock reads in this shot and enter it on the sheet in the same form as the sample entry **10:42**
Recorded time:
**12:50**
